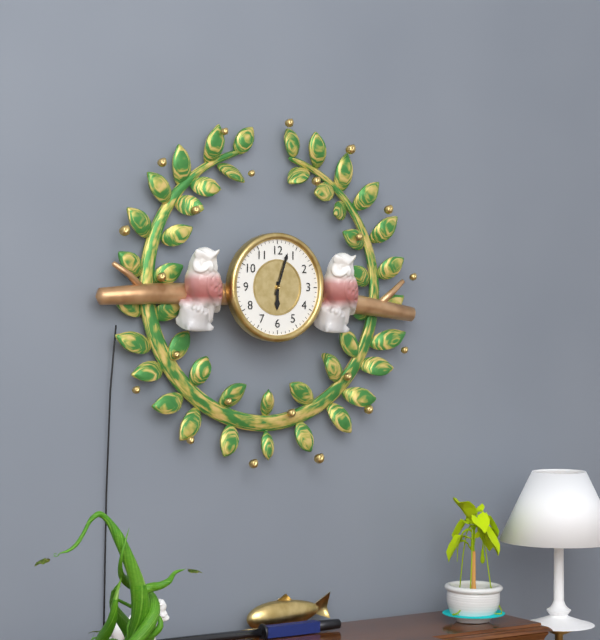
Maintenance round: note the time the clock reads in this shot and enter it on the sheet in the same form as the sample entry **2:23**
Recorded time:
**6:03**
